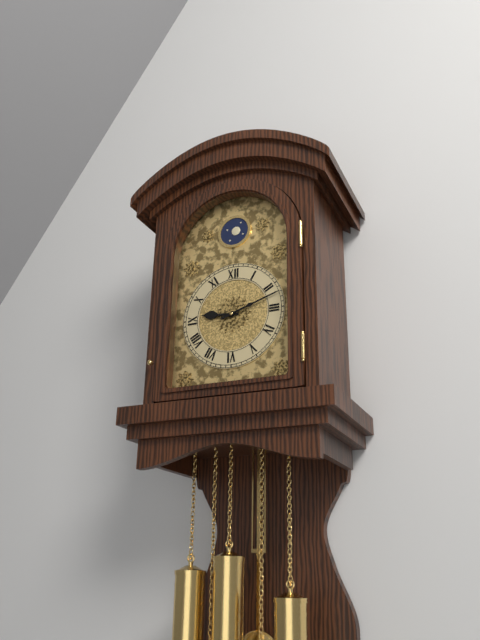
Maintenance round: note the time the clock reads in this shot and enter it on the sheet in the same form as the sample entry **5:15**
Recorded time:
**9:12**
